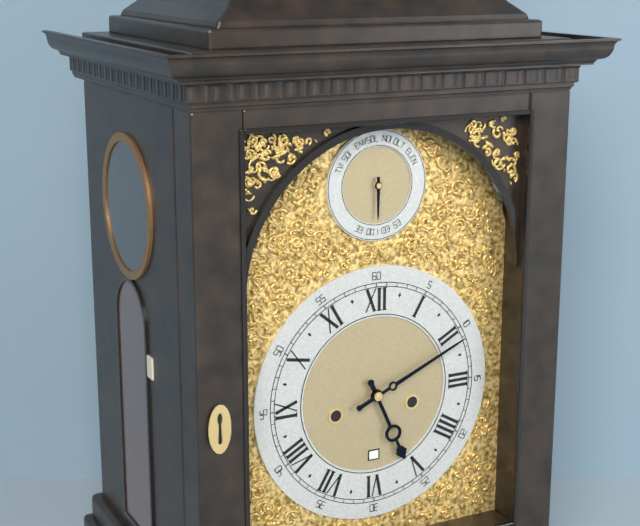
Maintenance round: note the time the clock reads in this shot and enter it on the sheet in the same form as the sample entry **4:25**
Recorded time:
**5:11**
